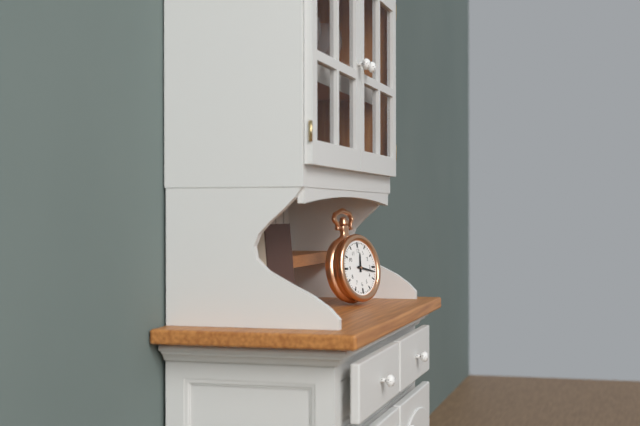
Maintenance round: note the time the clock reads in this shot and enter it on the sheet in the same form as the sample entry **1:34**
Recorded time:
**12:17**
